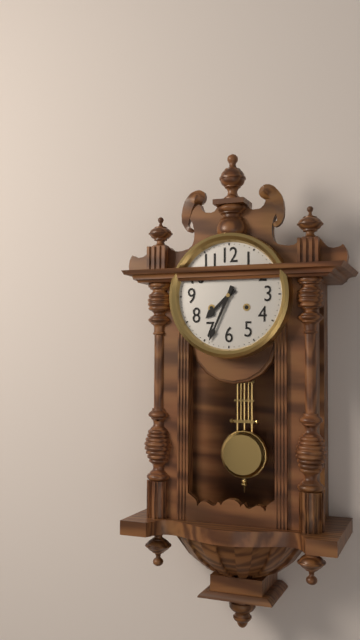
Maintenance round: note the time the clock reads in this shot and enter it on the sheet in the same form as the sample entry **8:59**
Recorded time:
**7:34**
